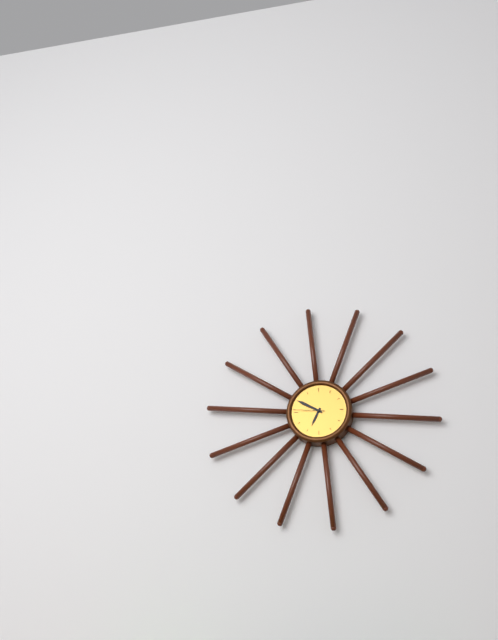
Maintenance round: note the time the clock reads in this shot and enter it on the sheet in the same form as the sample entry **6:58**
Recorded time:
**6:50**
